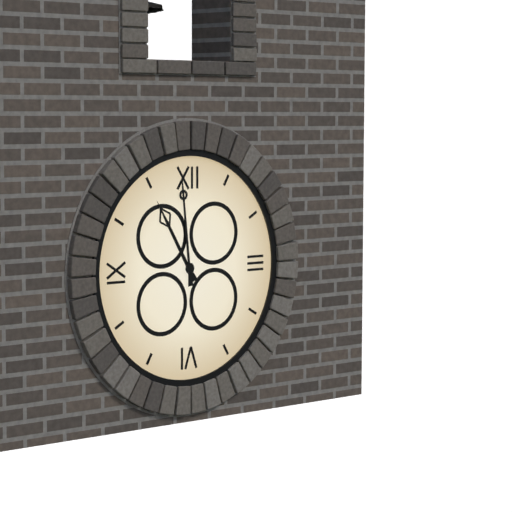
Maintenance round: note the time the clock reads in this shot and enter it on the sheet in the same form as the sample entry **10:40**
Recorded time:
**10:59**
